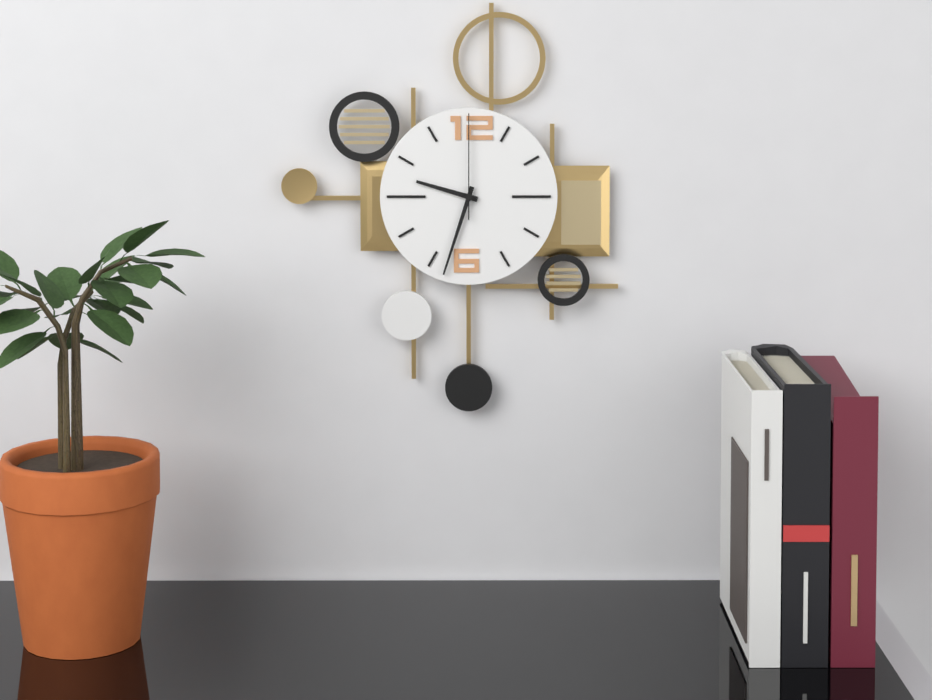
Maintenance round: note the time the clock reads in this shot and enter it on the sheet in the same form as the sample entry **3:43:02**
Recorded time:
**9:33:00**
